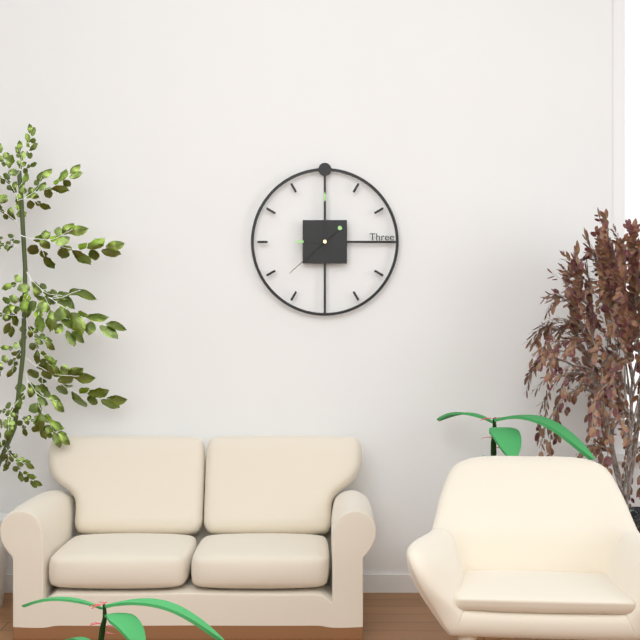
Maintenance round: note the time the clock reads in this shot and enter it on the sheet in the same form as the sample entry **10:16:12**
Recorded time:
**9:00:38**
